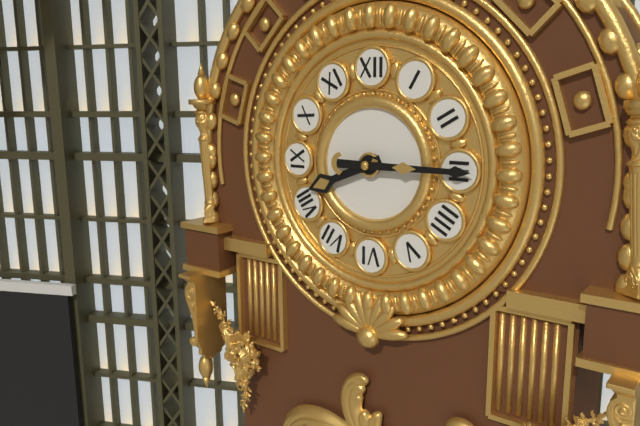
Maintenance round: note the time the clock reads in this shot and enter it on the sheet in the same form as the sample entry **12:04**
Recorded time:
**8:15**
